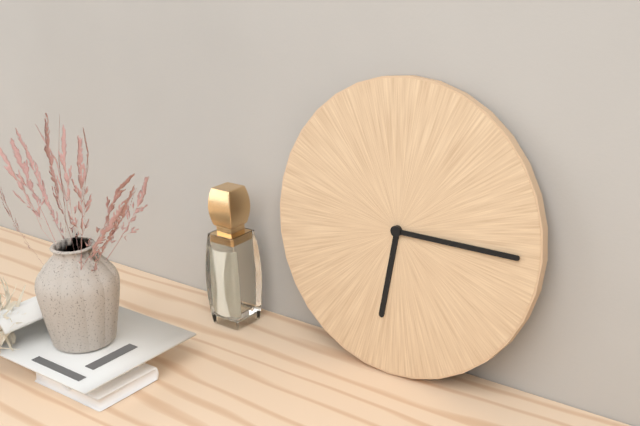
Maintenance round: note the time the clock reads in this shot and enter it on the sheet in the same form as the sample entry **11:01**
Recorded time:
**6:15**
